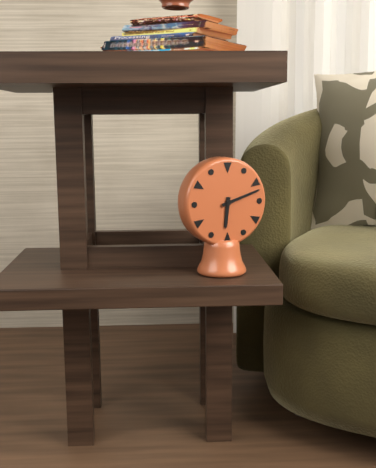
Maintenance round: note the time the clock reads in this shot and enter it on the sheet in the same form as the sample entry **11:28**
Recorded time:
**6:12**
